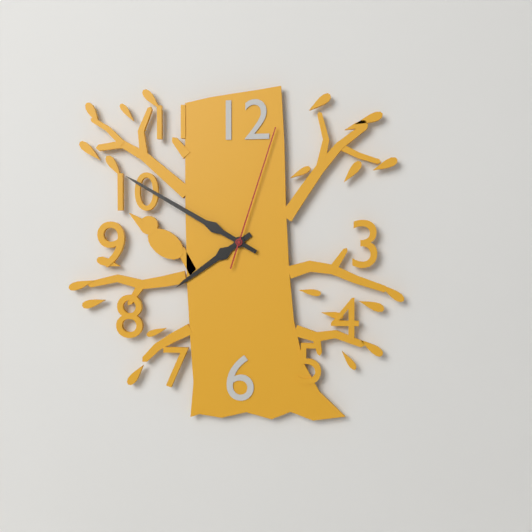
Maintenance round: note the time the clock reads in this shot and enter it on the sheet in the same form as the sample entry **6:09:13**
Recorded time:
**7:50:03**
